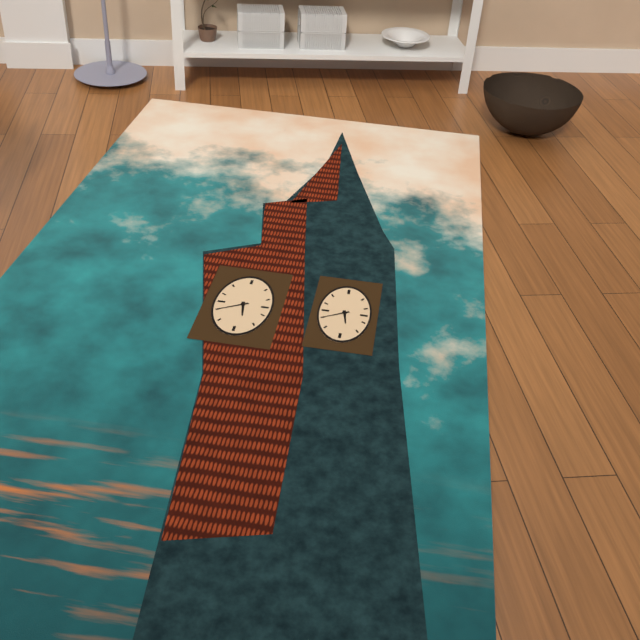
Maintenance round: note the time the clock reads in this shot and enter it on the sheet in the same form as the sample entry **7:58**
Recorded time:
**5:40**
